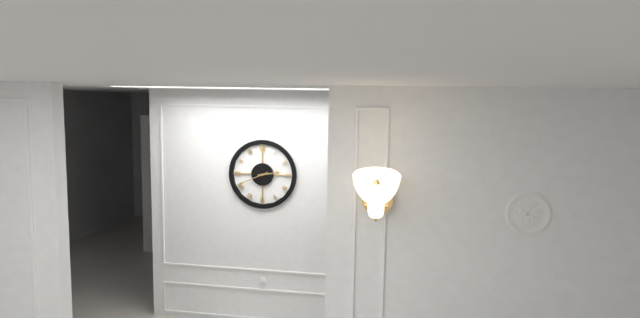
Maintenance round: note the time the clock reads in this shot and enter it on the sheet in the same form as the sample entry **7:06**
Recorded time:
**2:41**
